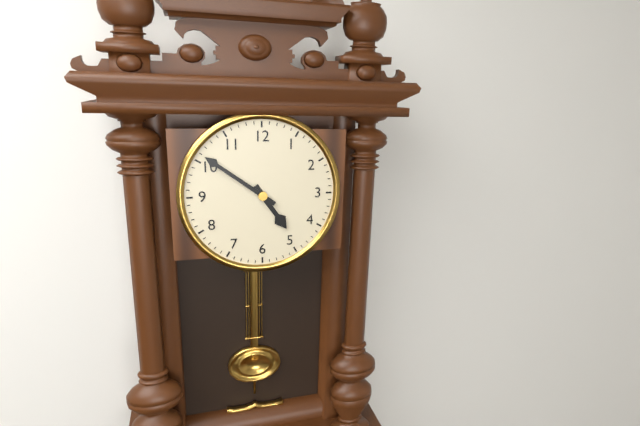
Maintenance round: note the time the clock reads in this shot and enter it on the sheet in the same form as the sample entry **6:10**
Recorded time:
**4:51**
